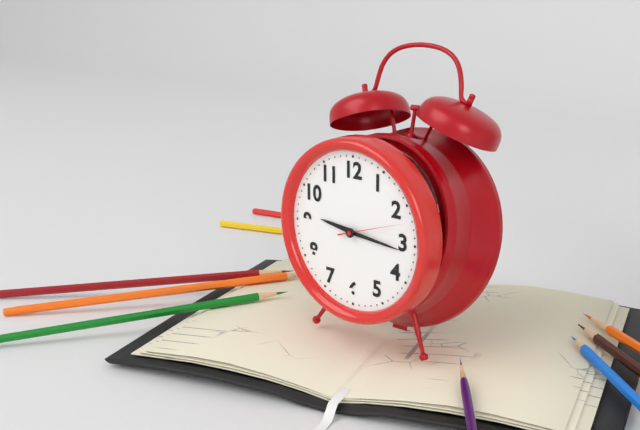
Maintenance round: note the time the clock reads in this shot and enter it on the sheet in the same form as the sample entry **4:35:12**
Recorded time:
**9:16:12**
